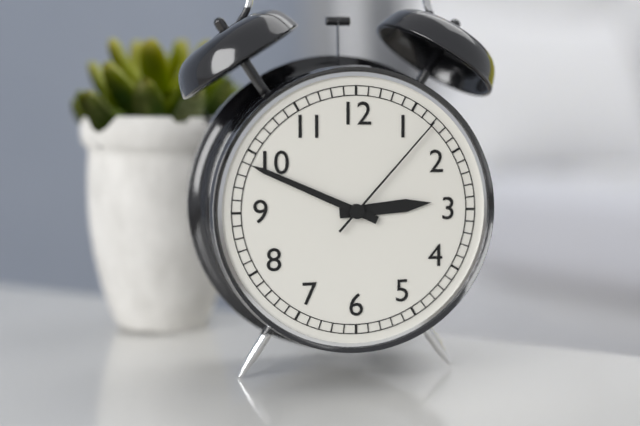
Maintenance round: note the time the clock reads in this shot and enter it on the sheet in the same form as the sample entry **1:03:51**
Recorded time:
**2:49:07**
